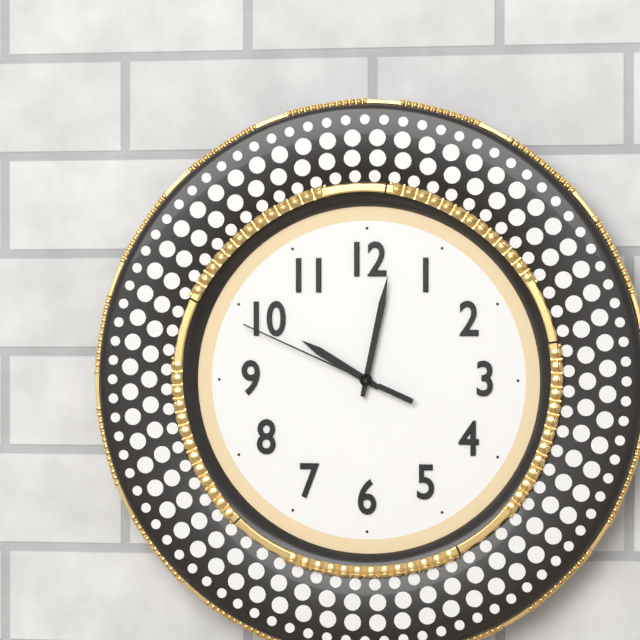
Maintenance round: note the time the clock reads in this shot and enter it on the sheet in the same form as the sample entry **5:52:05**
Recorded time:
**10:02:49**
